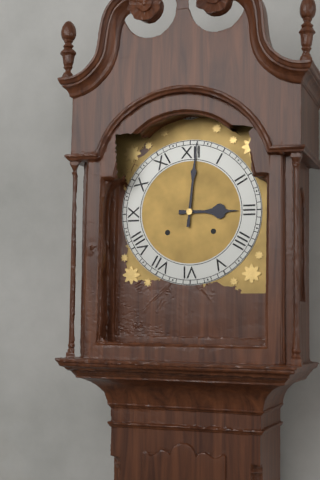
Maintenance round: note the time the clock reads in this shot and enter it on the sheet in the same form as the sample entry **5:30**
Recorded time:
**3:01**
